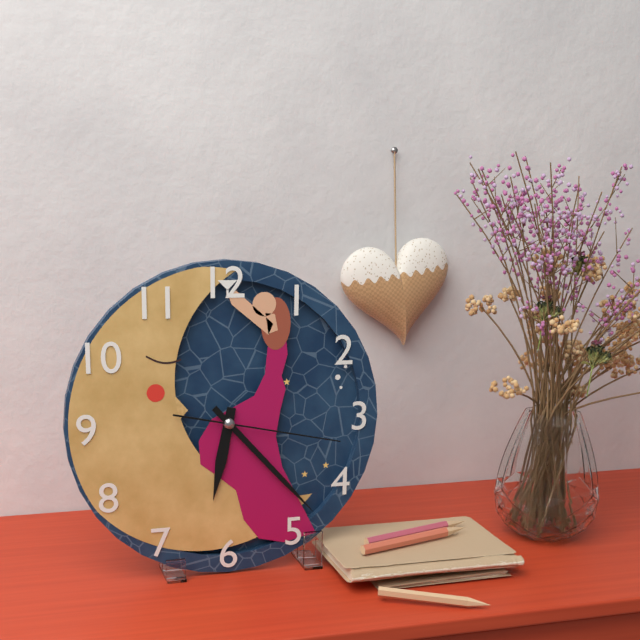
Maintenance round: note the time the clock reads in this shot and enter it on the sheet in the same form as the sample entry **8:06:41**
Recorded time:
**6:23:17**
